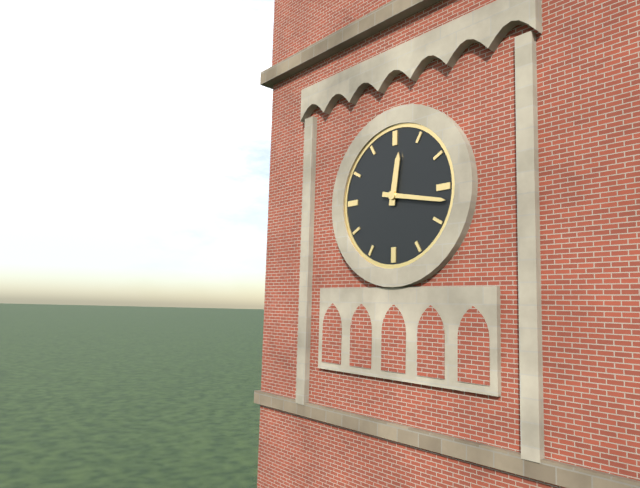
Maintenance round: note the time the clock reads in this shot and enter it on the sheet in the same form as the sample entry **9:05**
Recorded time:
**12:17**
